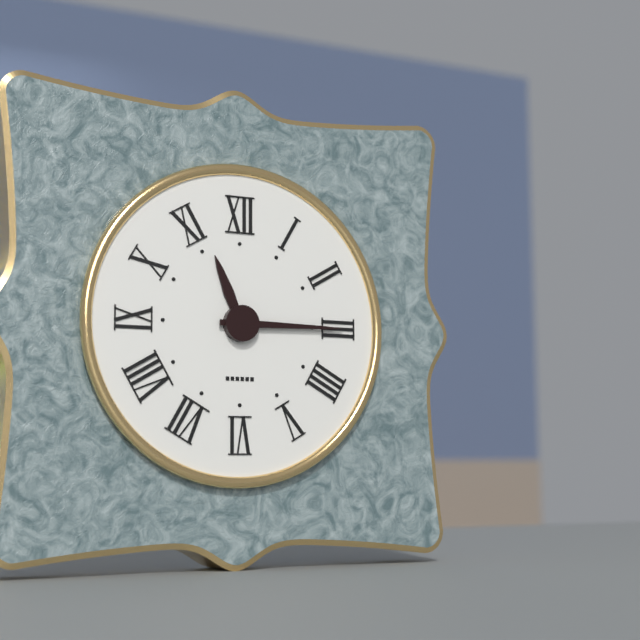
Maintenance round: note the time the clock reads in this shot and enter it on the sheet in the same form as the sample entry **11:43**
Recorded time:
**11:15**
